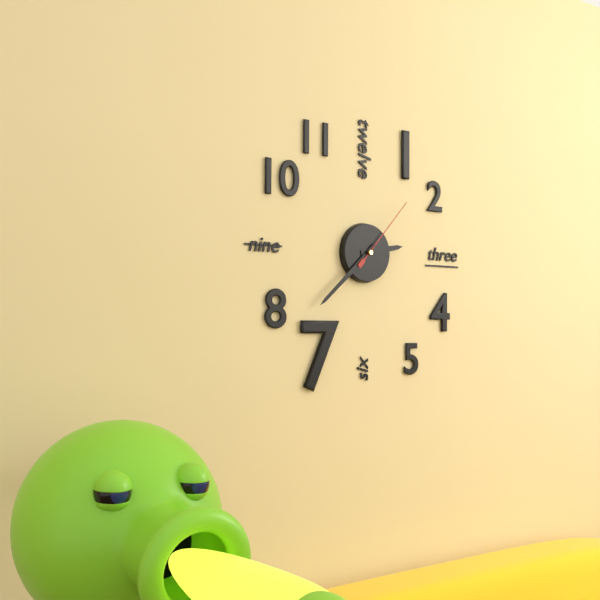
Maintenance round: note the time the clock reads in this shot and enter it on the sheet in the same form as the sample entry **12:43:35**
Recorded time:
**2:38:07**
